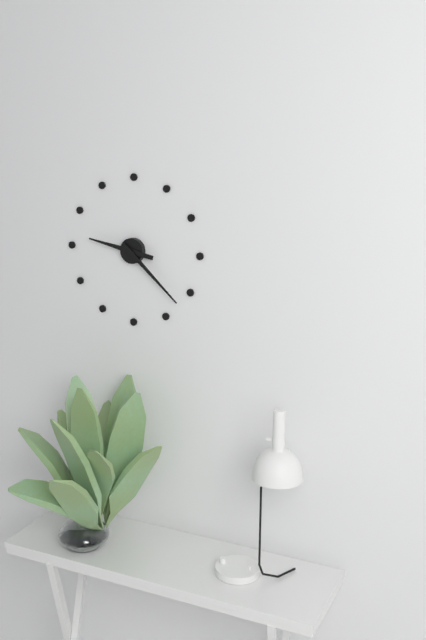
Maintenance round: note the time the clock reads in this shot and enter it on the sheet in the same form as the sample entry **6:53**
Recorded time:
**9:22**
